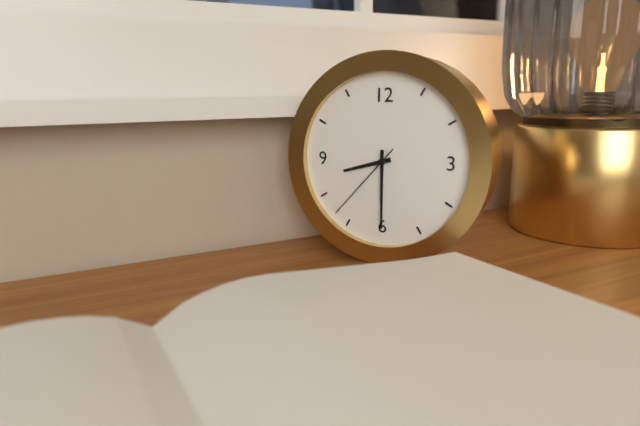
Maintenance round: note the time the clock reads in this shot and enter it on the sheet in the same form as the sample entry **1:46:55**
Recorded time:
**8:30:37**
